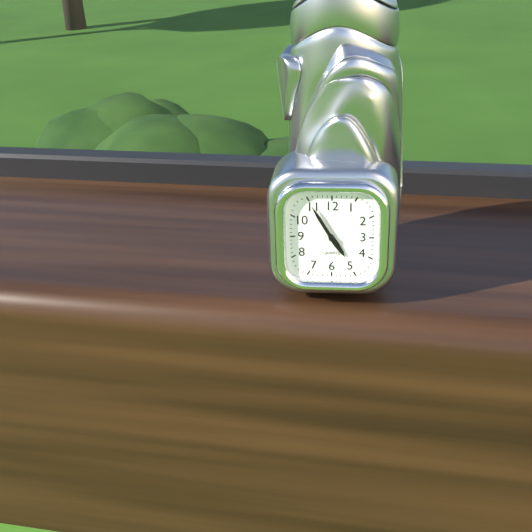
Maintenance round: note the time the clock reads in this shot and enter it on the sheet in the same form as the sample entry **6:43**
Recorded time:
**4:55**
